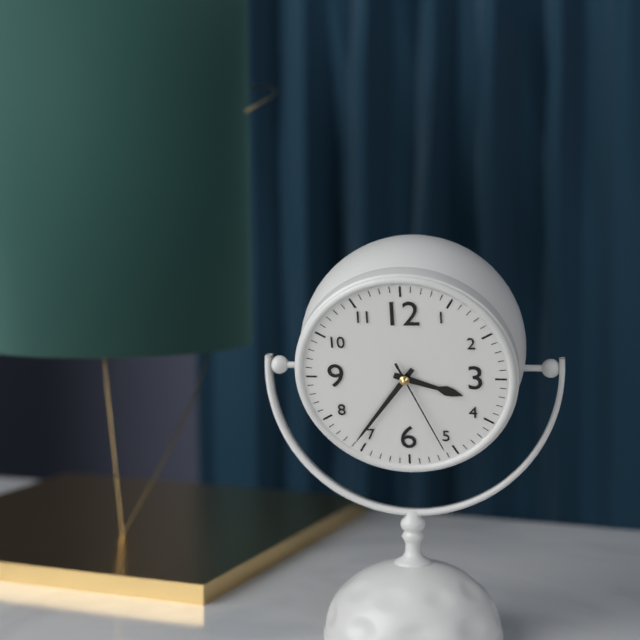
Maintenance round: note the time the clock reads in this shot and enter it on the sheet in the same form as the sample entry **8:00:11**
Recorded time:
**3:36:26**
